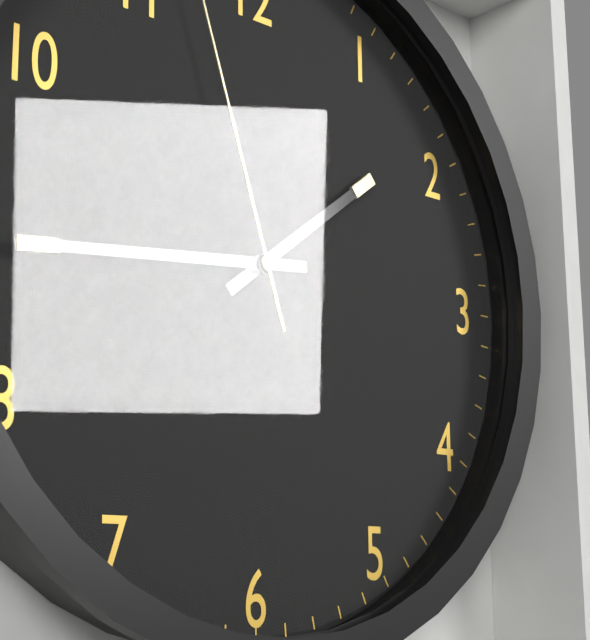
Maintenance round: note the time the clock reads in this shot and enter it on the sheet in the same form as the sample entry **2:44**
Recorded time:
**1:44**
